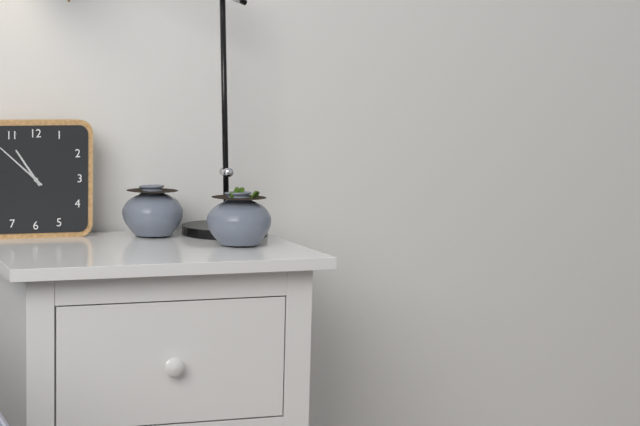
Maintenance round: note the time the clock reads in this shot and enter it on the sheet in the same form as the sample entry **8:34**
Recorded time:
**10:52**
